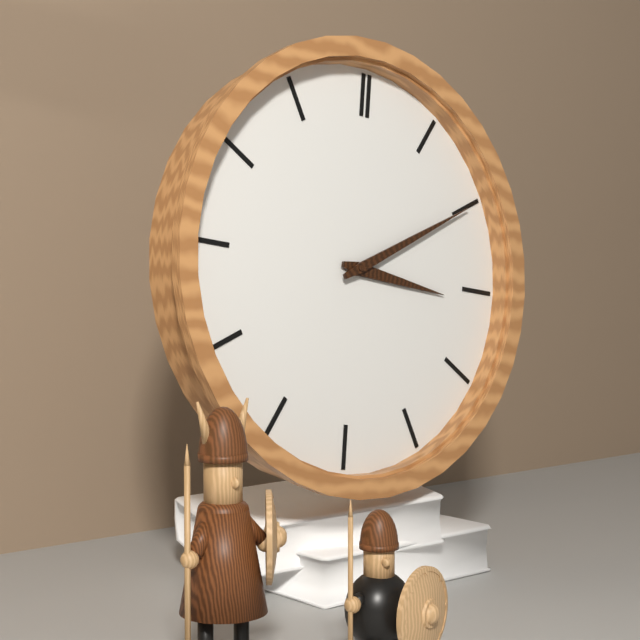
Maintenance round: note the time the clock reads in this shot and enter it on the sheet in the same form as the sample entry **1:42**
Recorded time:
**3:10**
